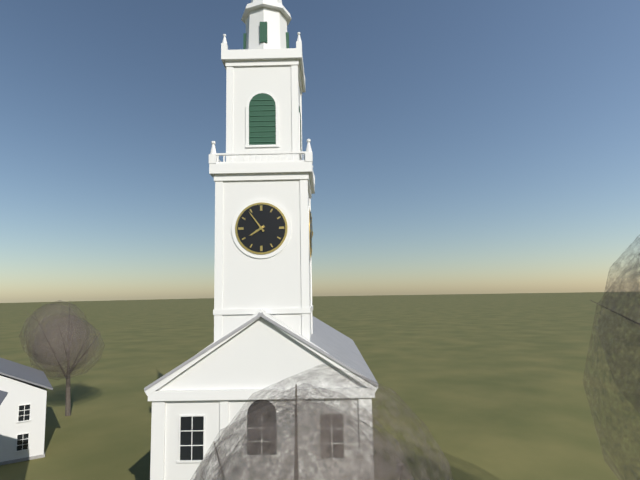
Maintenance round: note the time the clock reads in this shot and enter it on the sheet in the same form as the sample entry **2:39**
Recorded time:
**7:54**
